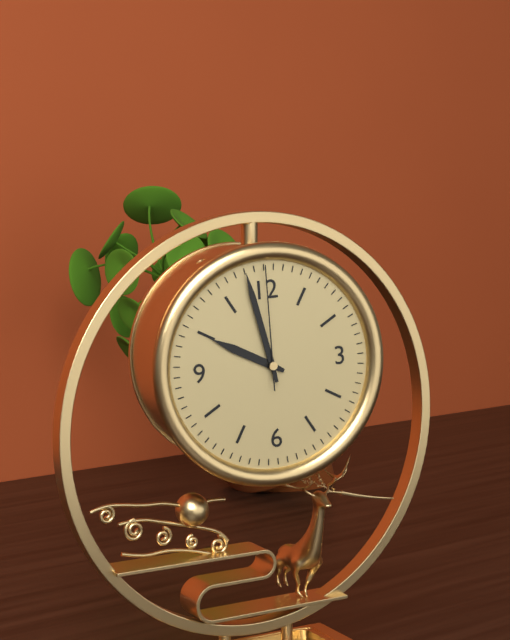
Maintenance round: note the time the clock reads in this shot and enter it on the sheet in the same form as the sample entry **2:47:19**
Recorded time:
**9:58:00**
